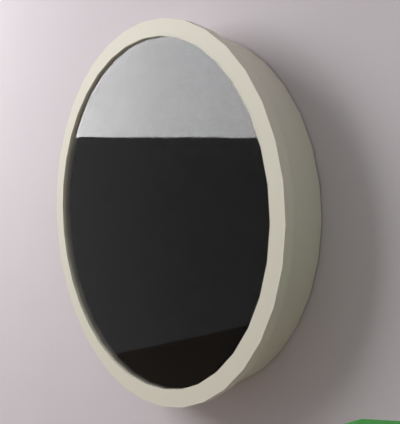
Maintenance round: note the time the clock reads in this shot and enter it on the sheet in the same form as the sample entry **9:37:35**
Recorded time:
**5:31:08**
